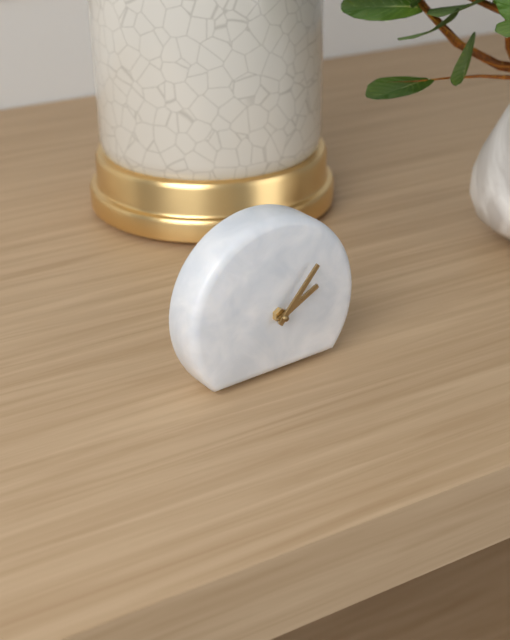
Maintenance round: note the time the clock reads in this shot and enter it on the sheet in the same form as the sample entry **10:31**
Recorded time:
**2:07**
